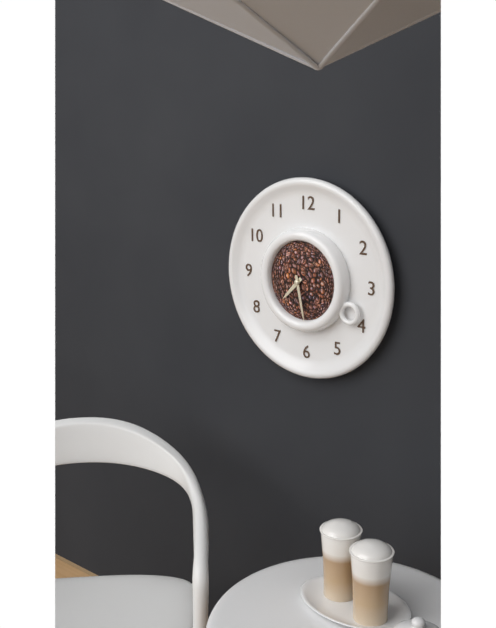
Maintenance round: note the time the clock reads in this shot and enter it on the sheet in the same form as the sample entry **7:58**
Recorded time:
**7:28**
